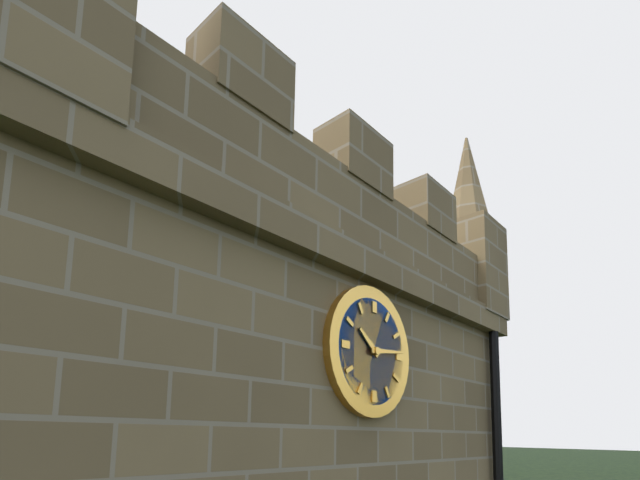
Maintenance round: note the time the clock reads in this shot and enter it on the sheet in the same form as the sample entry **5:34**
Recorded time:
**10:14**
